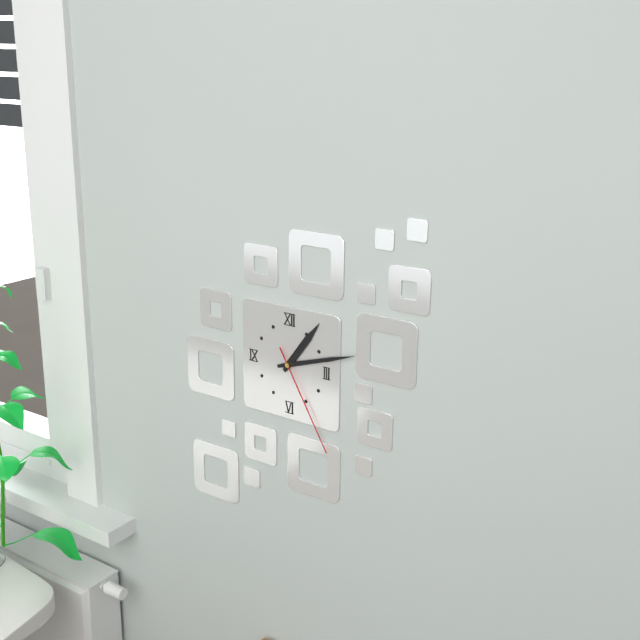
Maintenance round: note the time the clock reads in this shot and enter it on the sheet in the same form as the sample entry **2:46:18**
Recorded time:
**1:12:25**
